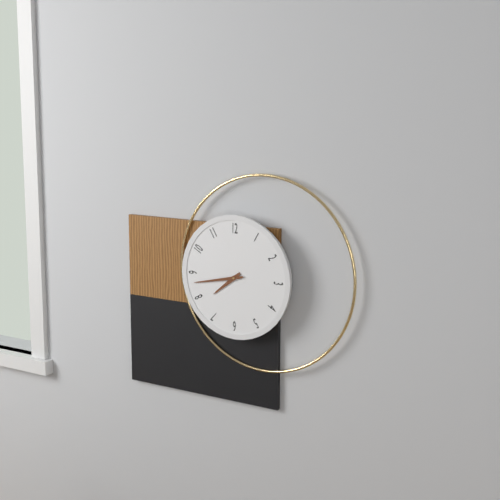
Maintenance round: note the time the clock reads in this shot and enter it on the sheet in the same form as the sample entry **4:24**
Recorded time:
**7:43**
